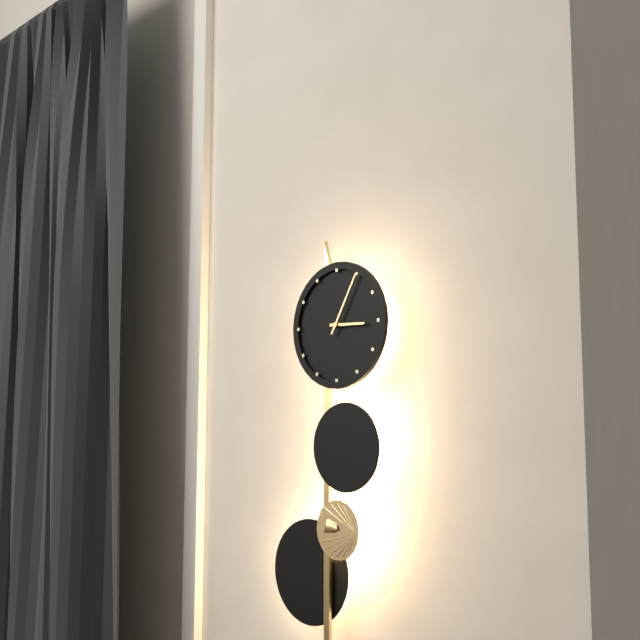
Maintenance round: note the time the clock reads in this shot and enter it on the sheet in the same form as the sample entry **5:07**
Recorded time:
**3:05**
